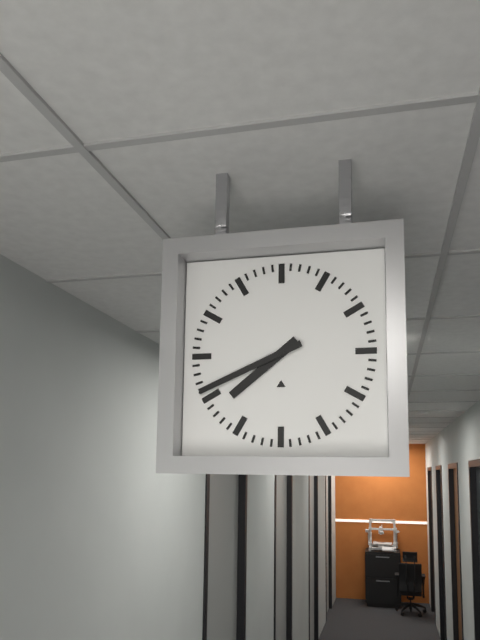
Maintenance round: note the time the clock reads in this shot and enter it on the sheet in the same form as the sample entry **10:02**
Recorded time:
**7:41**
